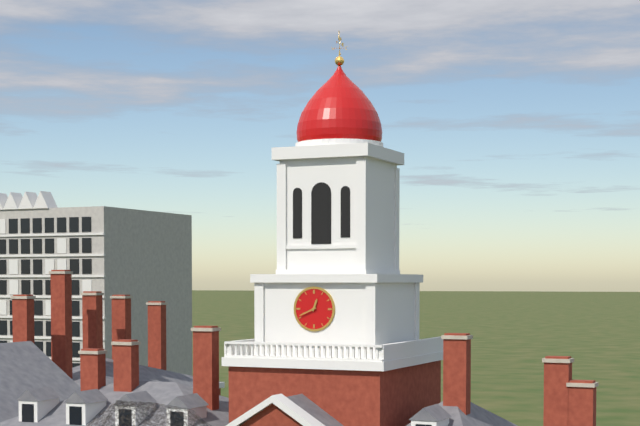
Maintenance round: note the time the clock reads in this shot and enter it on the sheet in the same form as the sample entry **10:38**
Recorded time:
**12:41**
